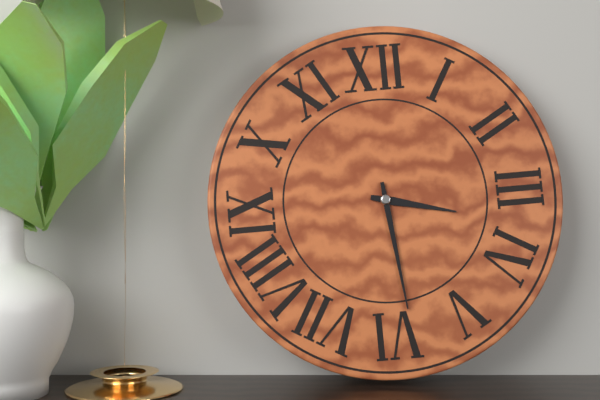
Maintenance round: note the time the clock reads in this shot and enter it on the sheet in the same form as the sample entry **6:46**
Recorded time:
**3:29**
